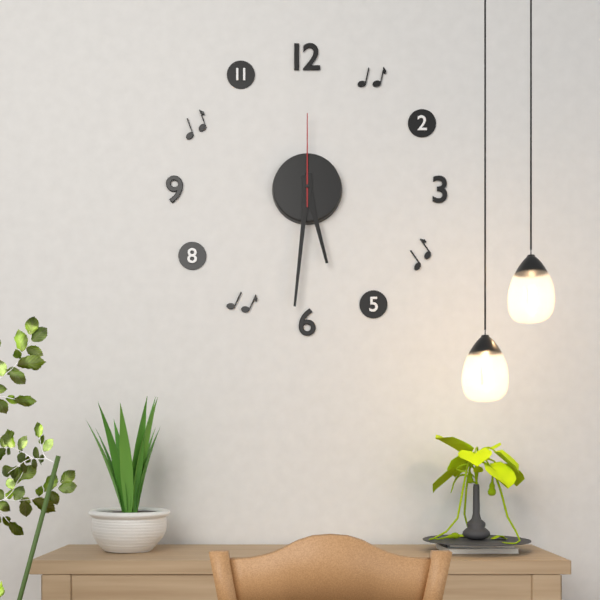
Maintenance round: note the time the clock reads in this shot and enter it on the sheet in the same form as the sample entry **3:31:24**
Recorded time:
**5:31:00**
